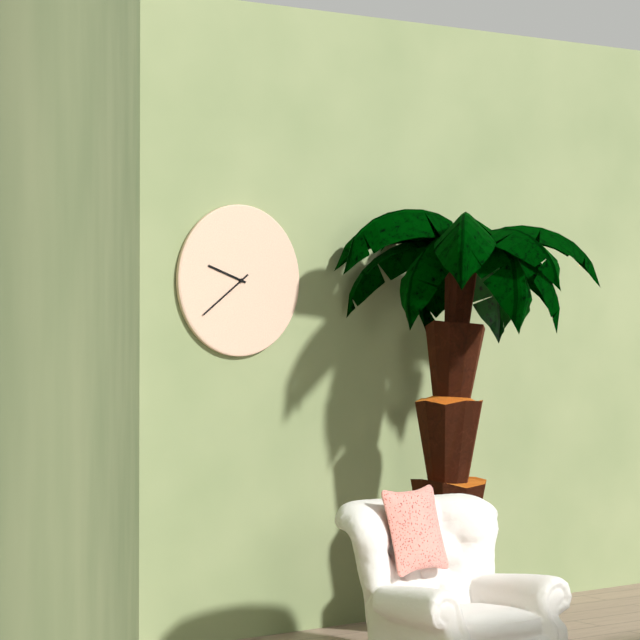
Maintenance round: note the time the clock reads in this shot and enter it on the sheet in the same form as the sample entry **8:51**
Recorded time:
**9:39**
